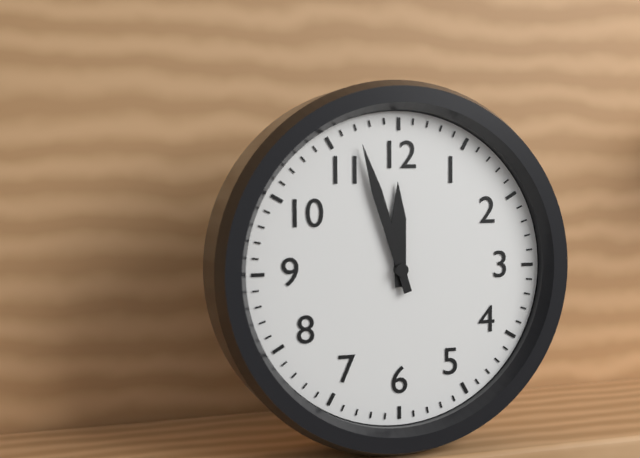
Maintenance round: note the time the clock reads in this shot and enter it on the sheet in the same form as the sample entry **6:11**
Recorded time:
**11:57**
